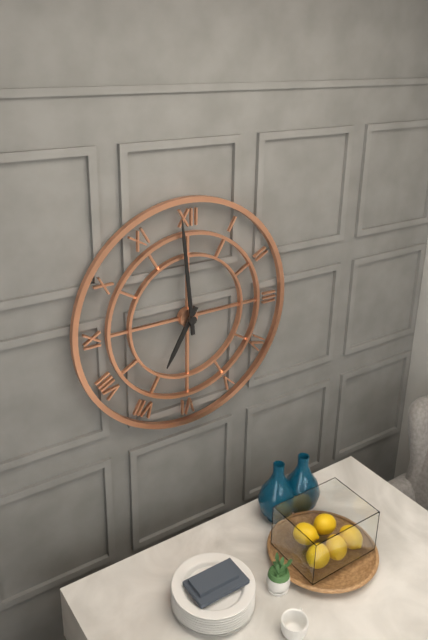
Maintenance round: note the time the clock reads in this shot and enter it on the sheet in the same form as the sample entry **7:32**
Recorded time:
**6:59**
